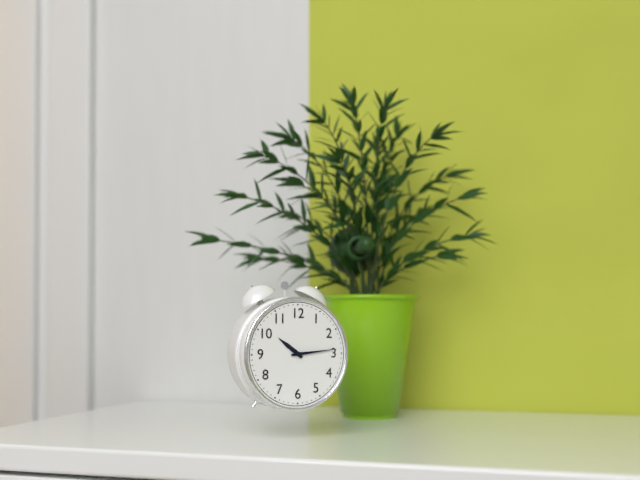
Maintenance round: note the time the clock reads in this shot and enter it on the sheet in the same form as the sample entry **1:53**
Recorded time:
**10:14**
